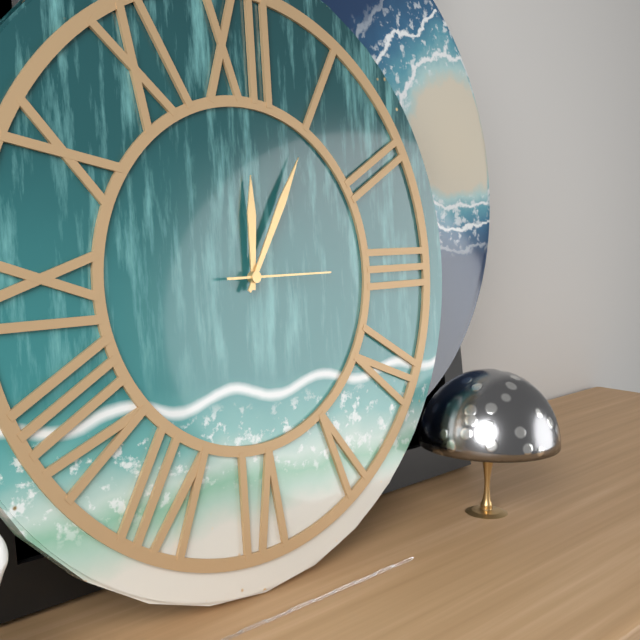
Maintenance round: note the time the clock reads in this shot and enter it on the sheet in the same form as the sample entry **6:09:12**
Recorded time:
**12:05:15**
